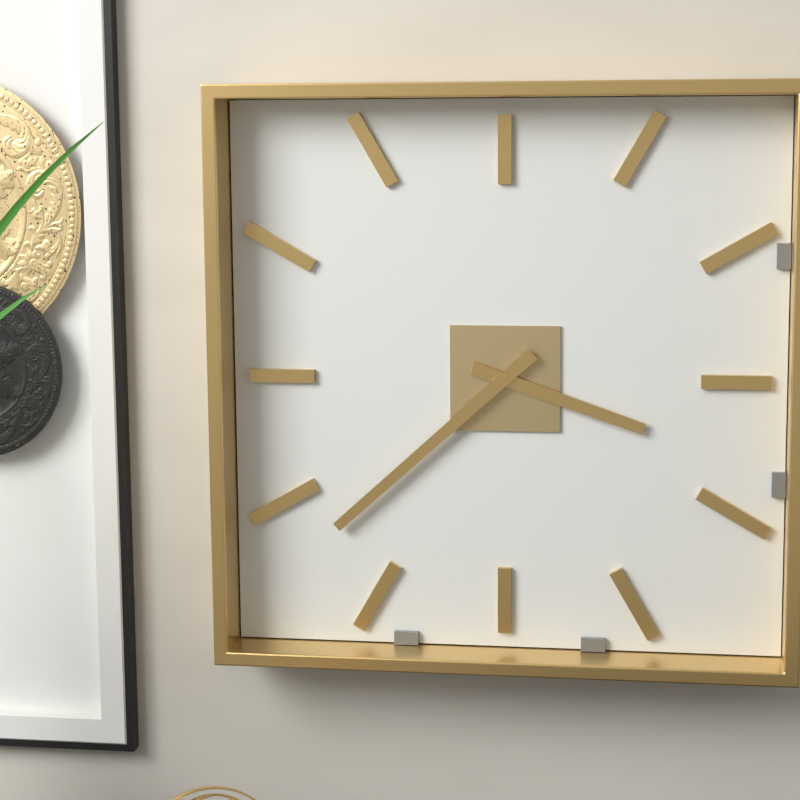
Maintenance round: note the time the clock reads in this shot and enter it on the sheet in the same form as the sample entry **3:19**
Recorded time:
**3:38**
